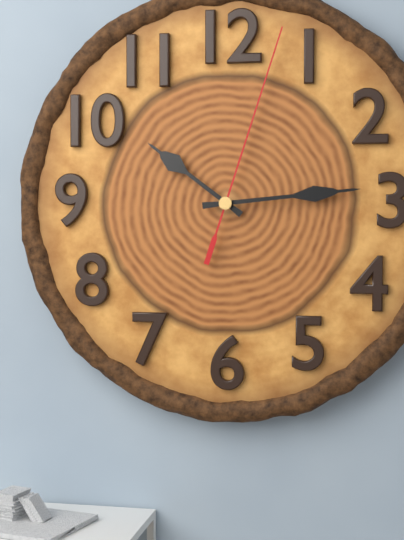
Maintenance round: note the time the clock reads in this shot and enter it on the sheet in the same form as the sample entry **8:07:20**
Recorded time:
**10:14:03**
